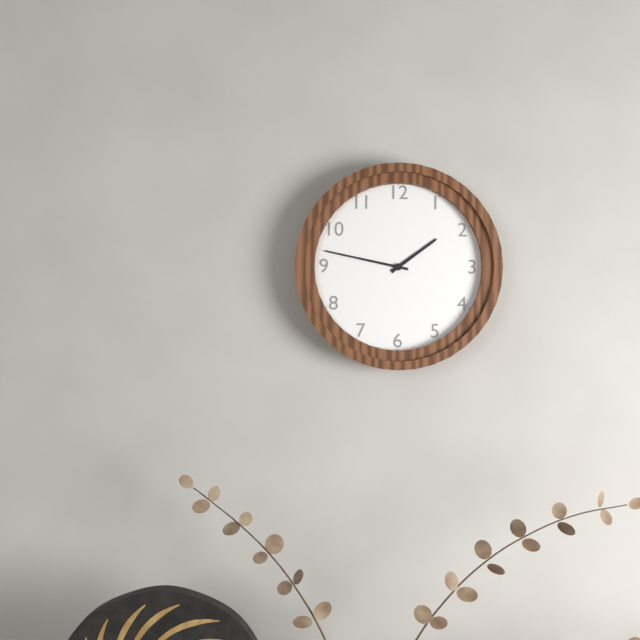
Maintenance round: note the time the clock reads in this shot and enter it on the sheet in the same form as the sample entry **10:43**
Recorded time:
**1:47**
